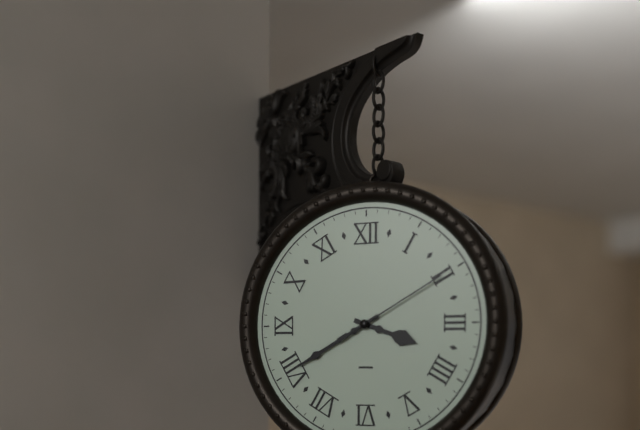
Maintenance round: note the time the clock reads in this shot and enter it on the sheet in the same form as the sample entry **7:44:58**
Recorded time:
**3:40:10**
